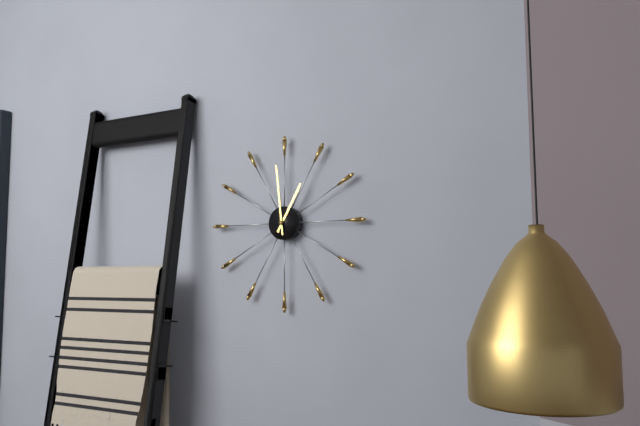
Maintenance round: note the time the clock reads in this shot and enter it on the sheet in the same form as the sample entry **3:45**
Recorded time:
**12:59**
